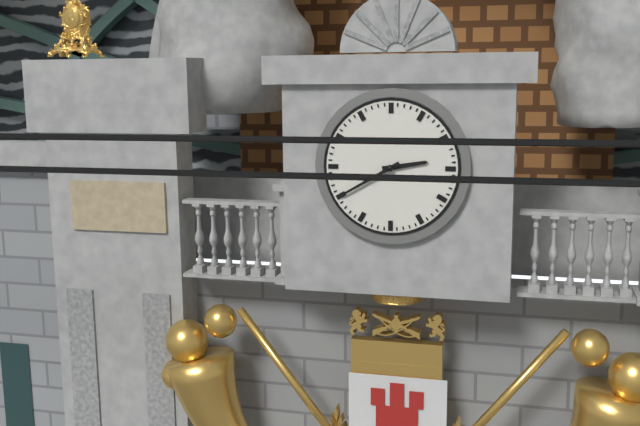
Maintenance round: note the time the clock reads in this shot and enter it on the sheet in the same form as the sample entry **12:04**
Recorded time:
**2:40**
